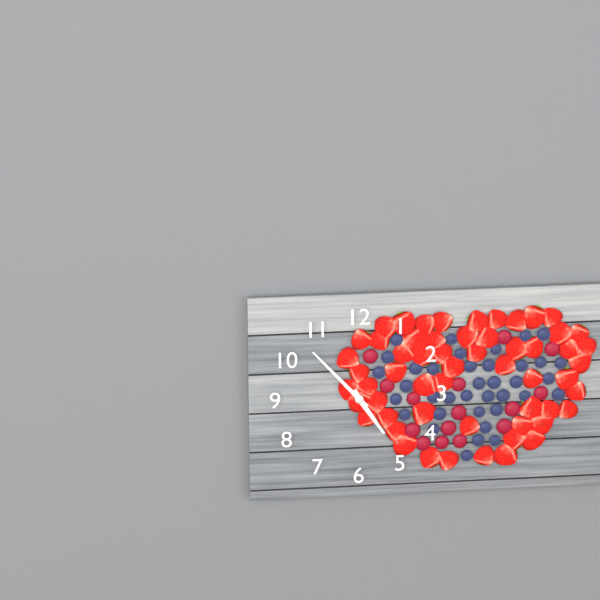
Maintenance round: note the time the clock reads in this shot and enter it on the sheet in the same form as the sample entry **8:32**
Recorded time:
**4:53**
